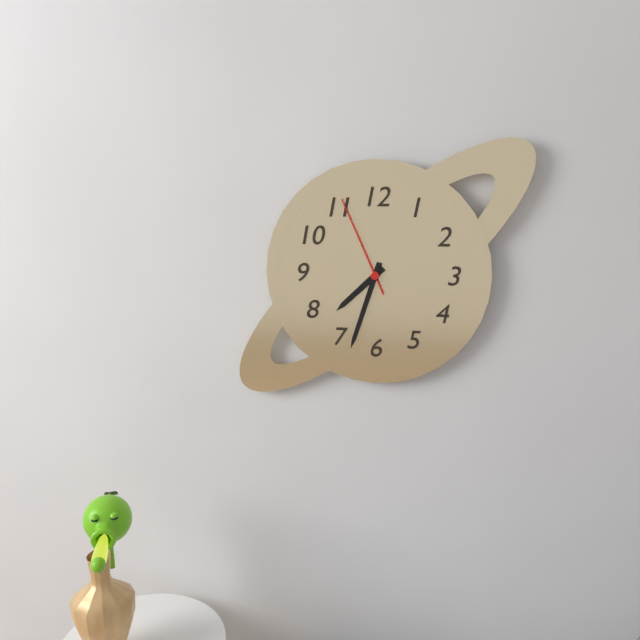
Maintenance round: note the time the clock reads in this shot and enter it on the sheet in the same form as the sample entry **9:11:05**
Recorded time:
**7:33:56**
